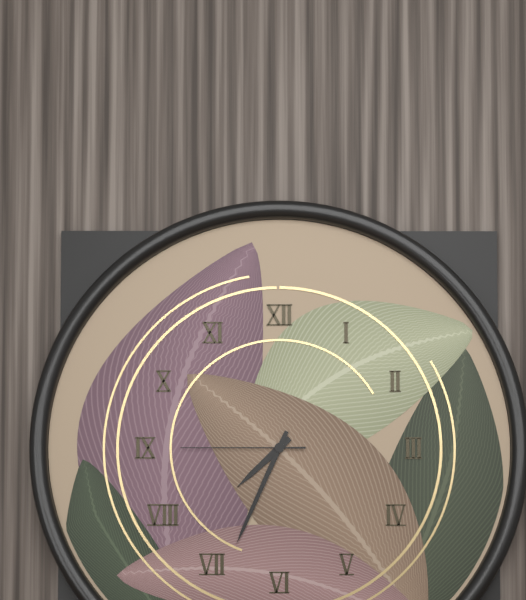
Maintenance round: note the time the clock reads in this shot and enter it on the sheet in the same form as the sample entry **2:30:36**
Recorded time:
**7:34:45**
